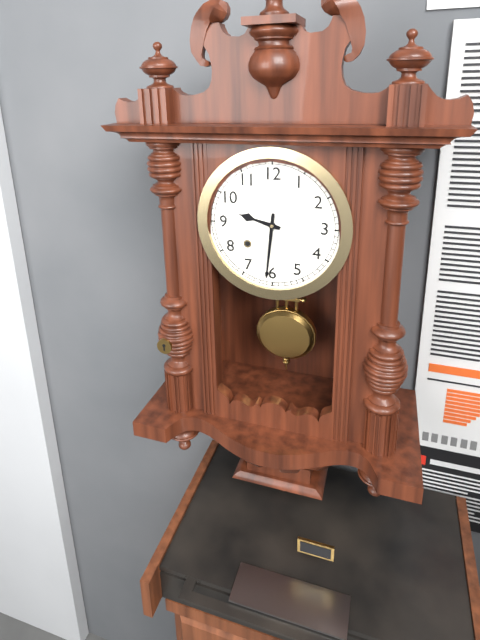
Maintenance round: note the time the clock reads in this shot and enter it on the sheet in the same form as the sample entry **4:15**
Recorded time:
**9:31**
